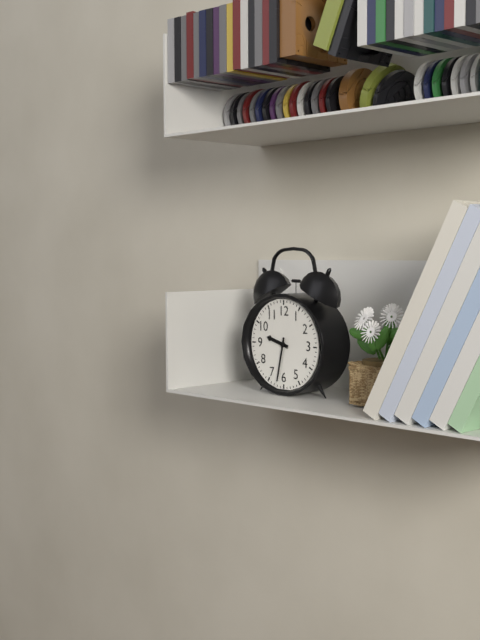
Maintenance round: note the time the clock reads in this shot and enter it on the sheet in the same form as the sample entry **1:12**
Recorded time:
**9:32**
